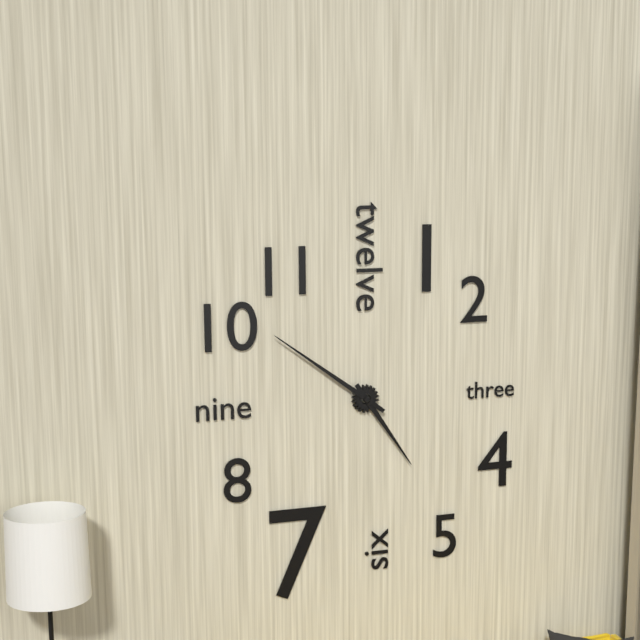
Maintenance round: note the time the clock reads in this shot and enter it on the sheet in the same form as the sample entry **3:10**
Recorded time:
**4:51**
